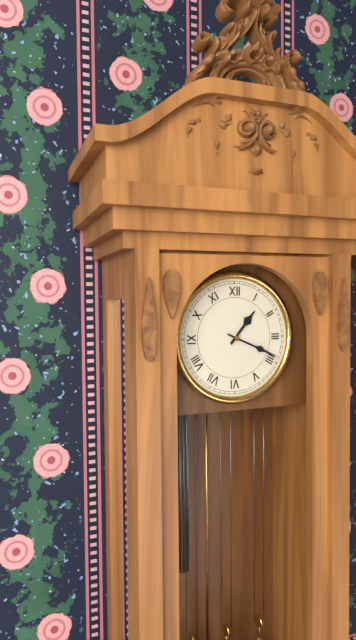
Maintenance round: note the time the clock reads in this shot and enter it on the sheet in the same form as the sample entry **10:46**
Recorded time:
**1:19**
